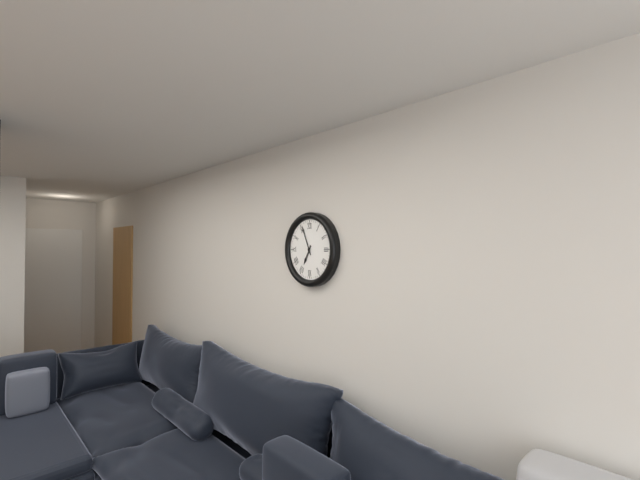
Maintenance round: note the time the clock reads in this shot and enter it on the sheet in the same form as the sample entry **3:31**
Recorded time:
**6:56**
